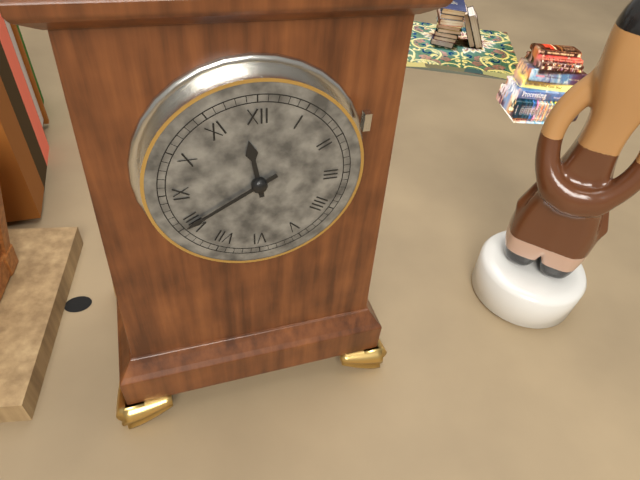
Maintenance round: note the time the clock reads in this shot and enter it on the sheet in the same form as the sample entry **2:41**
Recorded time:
**11:40**
